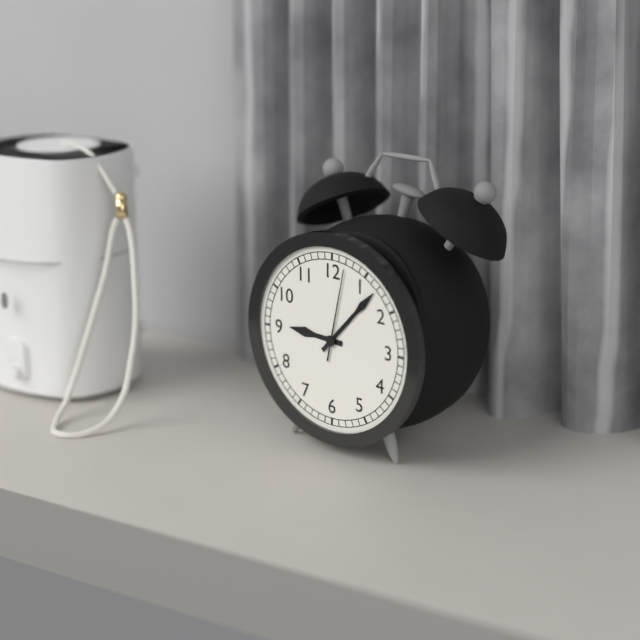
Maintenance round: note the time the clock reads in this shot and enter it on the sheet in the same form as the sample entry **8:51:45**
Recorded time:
**9:07:02**
